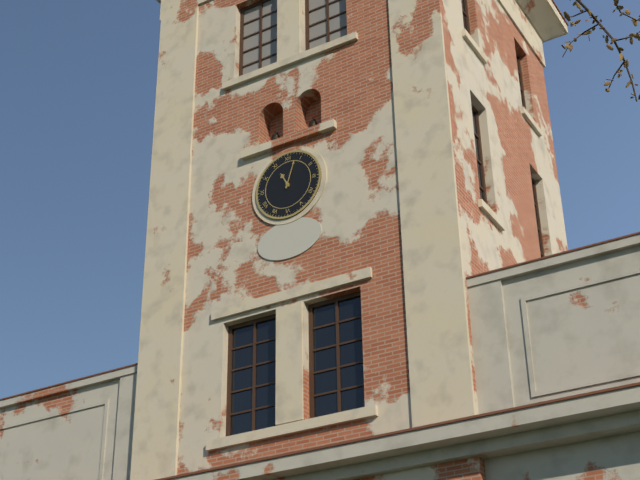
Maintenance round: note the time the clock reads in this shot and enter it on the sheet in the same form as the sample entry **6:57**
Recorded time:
**11:03**
